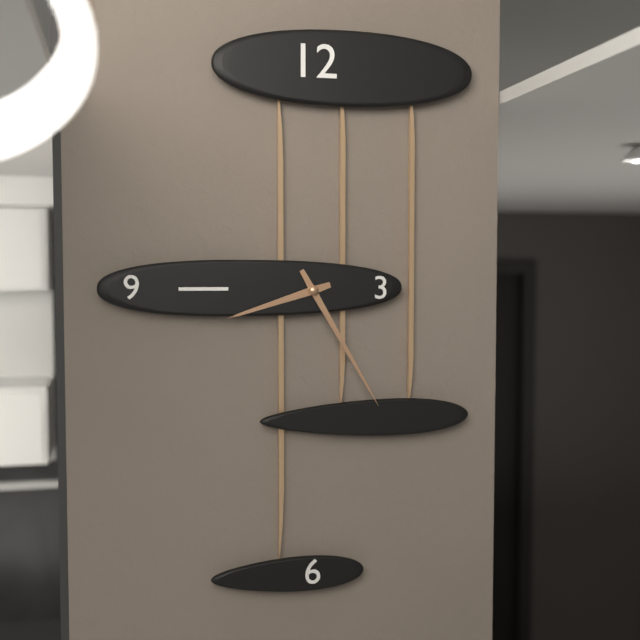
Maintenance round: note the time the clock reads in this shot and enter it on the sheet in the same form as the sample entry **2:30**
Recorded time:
**8:25**
